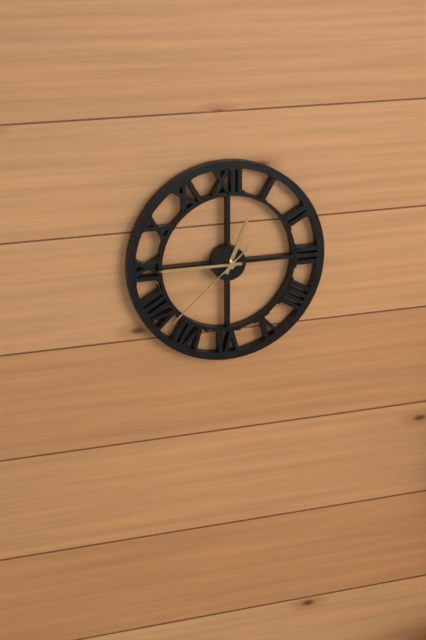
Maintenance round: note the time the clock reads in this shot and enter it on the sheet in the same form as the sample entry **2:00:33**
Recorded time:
**12:45:38**
